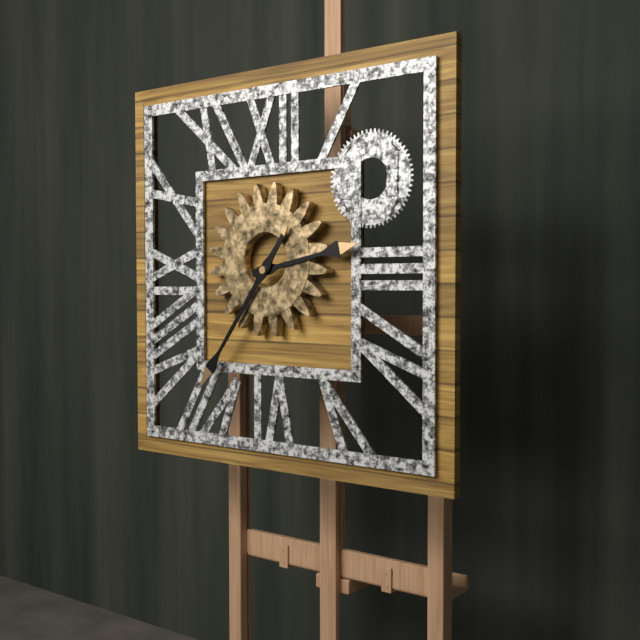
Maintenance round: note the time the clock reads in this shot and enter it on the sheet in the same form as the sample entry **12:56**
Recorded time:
**2:36**
